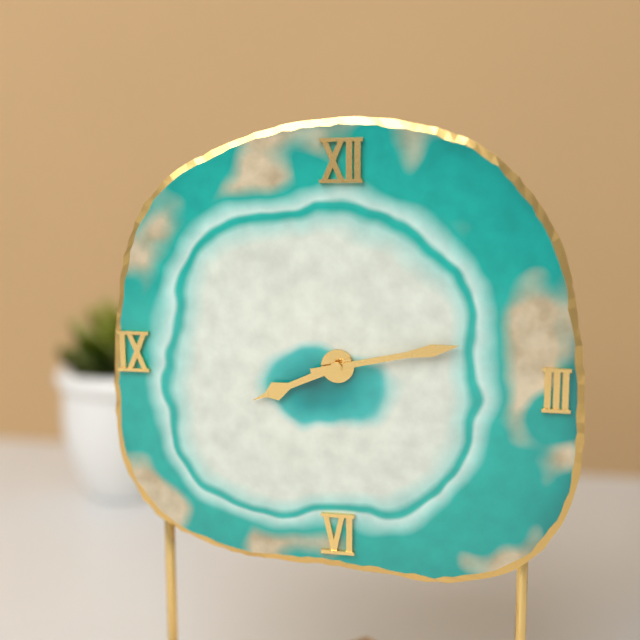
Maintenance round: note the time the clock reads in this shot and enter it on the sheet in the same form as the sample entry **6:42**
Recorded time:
**8:13**
